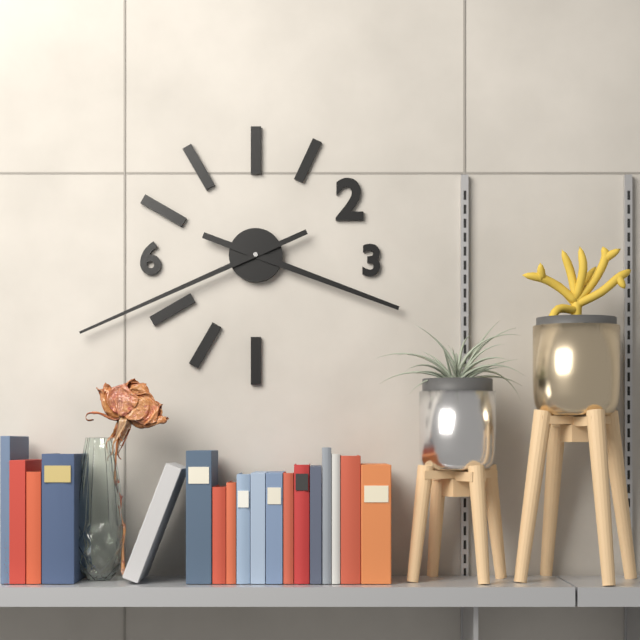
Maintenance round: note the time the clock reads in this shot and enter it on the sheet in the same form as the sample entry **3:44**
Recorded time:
**3:41**
